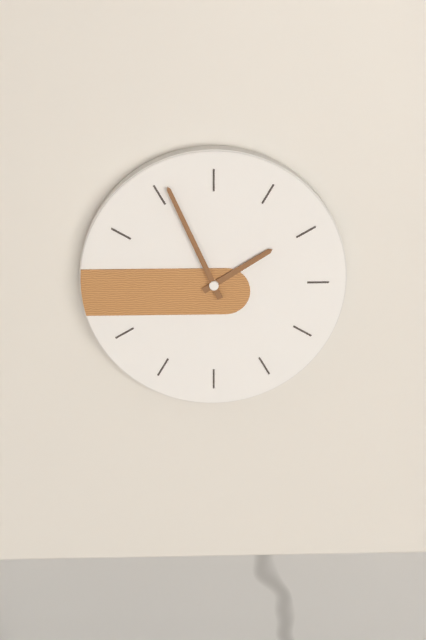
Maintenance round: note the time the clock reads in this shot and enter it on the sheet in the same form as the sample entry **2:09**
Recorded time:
**1:56**
